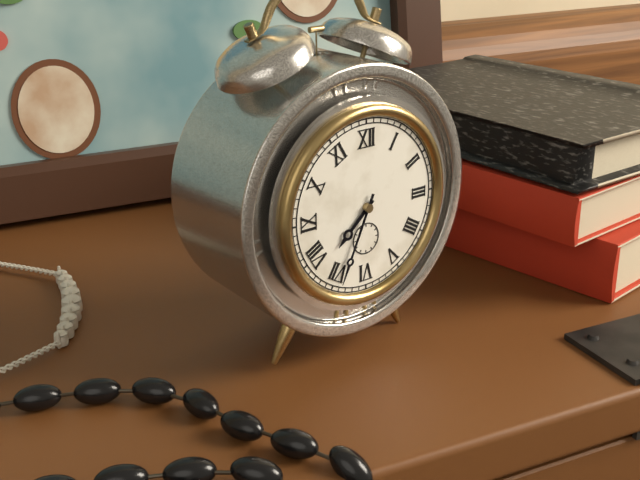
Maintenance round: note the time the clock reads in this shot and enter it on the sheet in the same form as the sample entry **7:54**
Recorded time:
**7:34**
